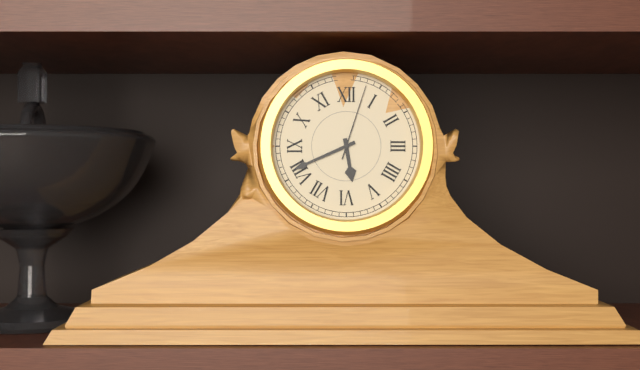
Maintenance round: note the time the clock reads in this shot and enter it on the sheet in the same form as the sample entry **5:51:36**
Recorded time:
**5:41:03**
